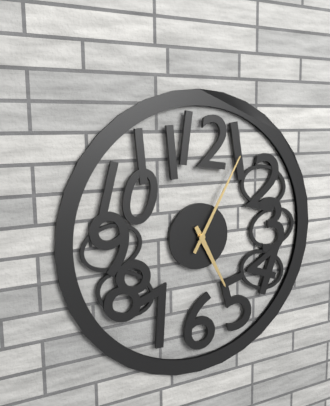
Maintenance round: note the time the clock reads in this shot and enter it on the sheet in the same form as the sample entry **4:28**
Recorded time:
**5:05**
